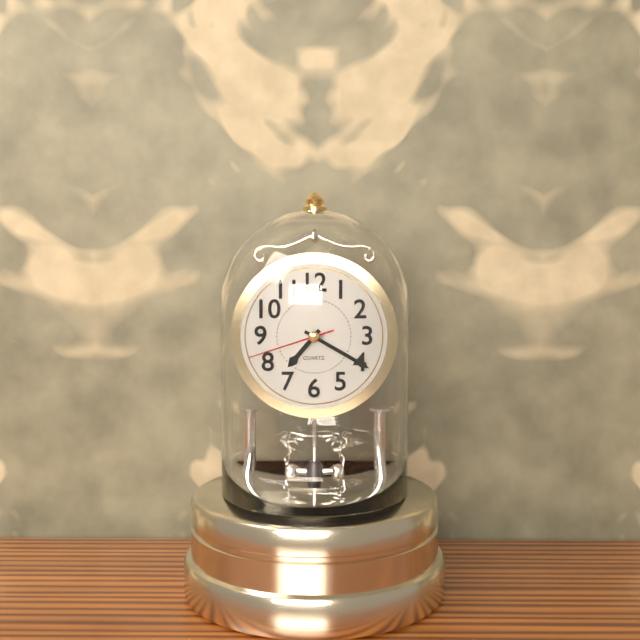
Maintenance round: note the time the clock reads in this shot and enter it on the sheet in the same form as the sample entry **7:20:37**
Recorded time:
**7:20:42**
